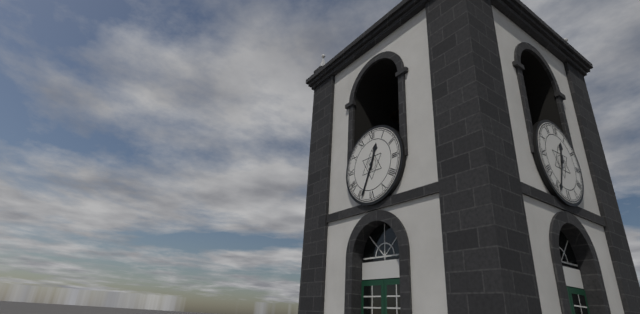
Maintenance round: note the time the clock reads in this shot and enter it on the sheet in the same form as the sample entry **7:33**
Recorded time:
**12:34**
